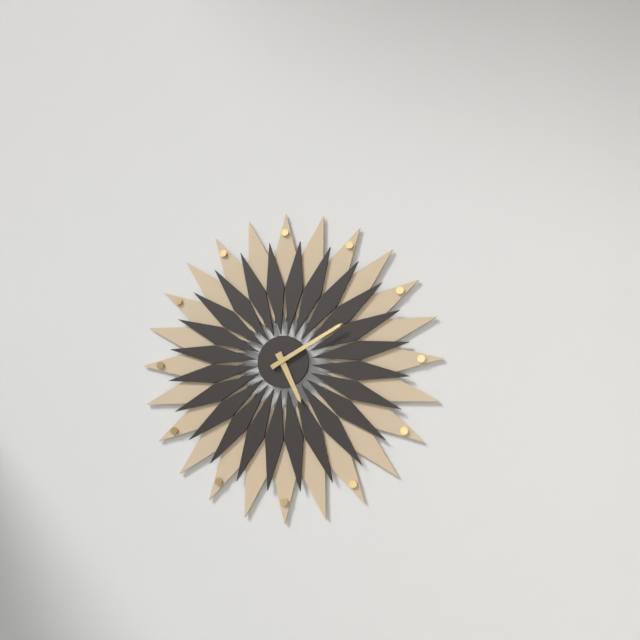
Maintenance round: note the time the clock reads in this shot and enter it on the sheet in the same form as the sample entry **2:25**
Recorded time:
**5:10**
